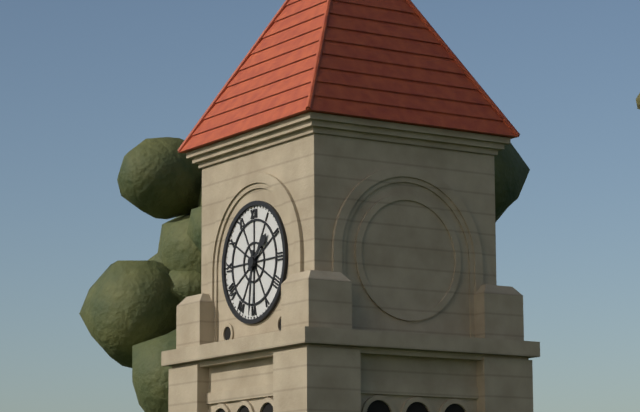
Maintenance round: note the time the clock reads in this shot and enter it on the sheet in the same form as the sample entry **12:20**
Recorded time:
**1:31**
